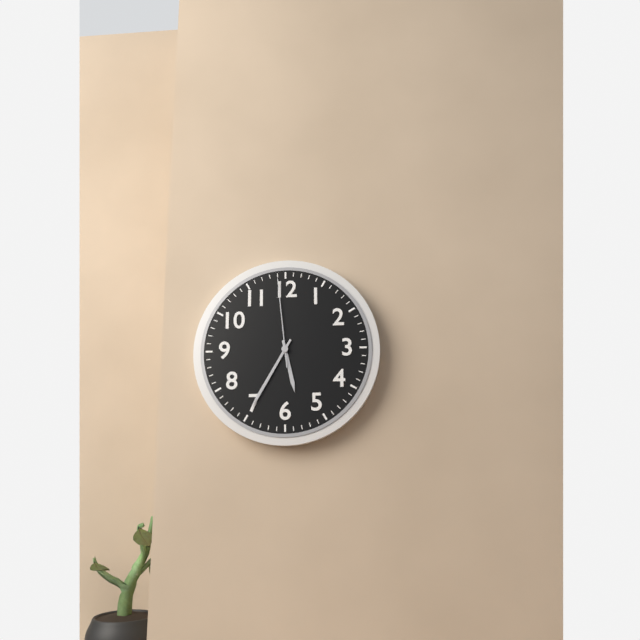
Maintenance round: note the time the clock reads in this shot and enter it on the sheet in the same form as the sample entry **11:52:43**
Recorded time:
**5:35:59**
